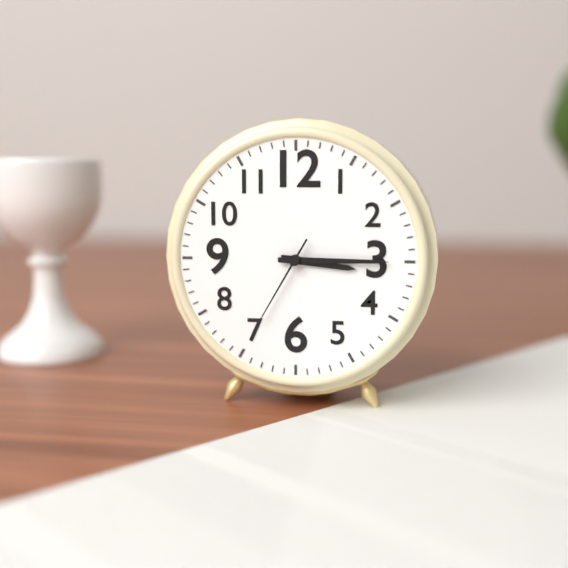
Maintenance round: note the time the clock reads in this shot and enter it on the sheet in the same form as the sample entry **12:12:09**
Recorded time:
**3:15:35**
